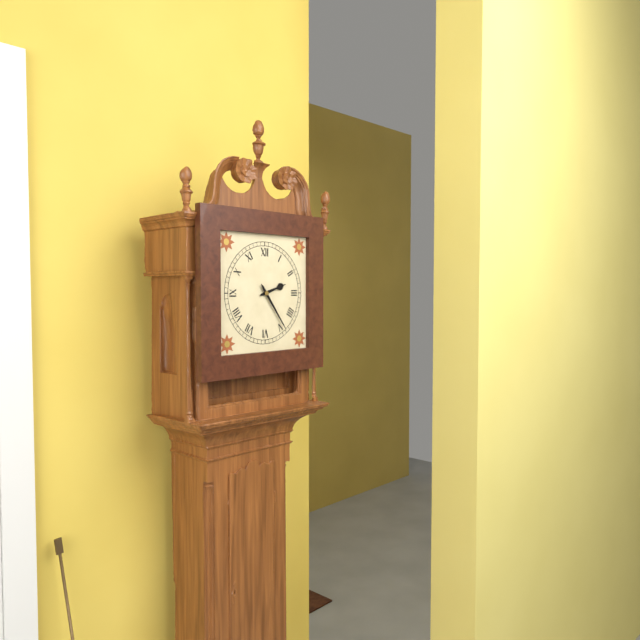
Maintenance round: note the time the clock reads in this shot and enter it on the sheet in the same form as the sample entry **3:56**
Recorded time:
**2:24**
